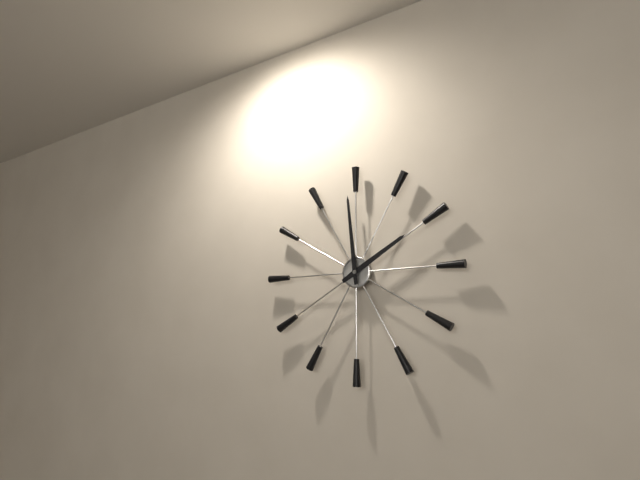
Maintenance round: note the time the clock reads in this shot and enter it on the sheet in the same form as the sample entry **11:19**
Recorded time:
**1:59**
